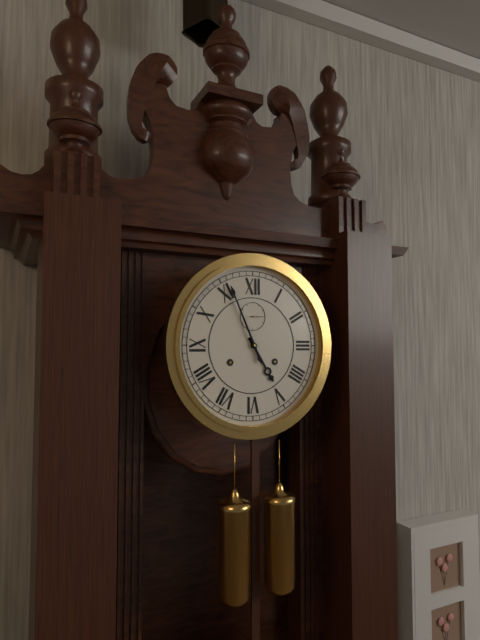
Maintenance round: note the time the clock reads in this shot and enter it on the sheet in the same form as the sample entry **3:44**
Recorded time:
**4:56**
